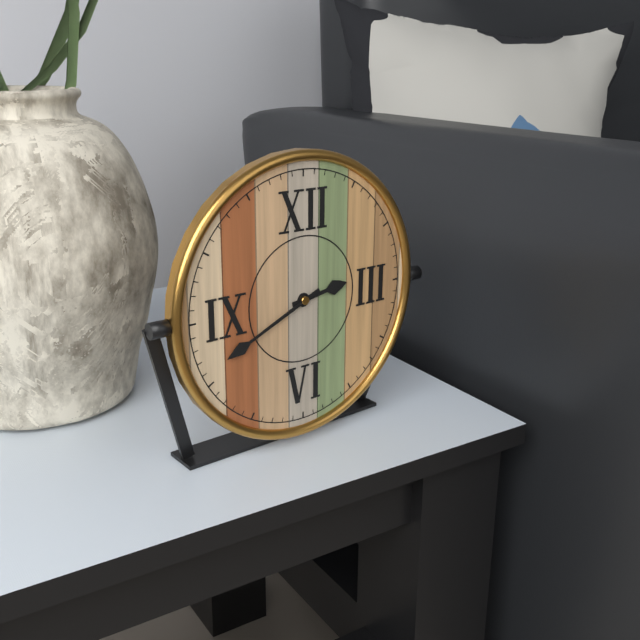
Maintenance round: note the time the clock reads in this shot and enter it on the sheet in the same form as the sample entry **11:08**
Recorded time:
**2:41**
